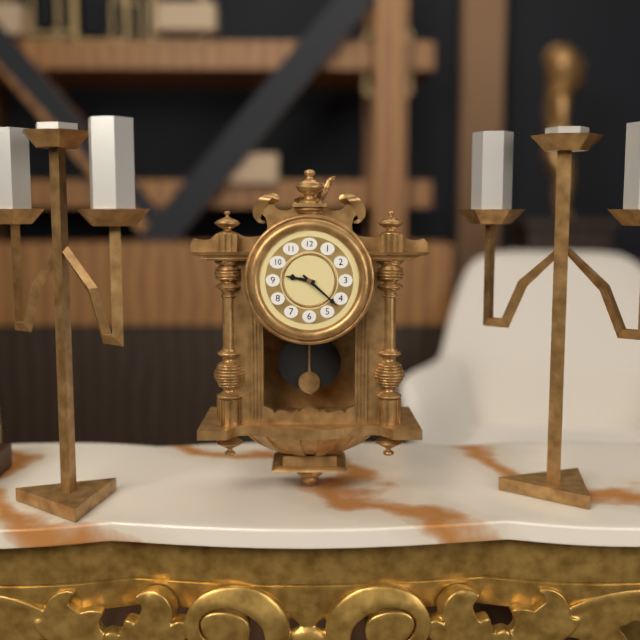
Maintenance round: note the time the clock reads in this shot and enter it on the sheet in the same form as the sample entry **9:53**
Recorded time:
**9:22**
